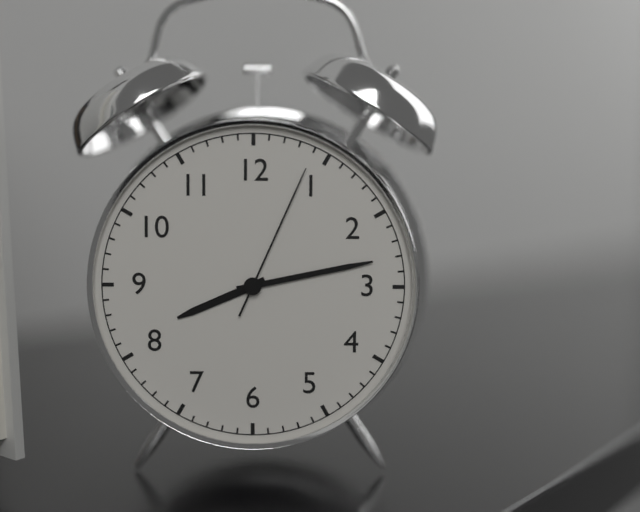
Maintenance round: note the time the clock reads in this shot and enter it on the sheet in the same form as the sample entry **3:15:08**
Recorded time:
**8:13:04**
